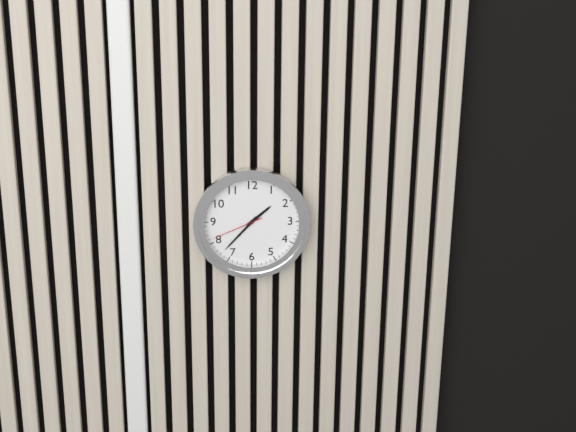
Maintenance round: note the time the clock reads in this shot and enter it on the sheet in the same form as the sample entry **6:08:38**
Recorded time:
**1:37:41**
